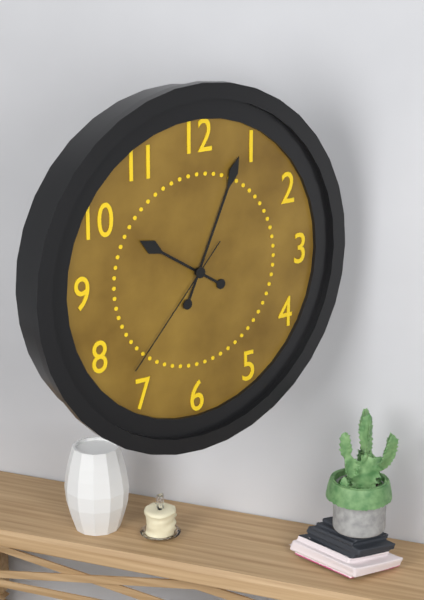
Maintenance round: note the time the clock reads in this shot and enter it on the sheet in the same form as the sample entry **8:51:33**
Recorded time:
**10:04:37**
